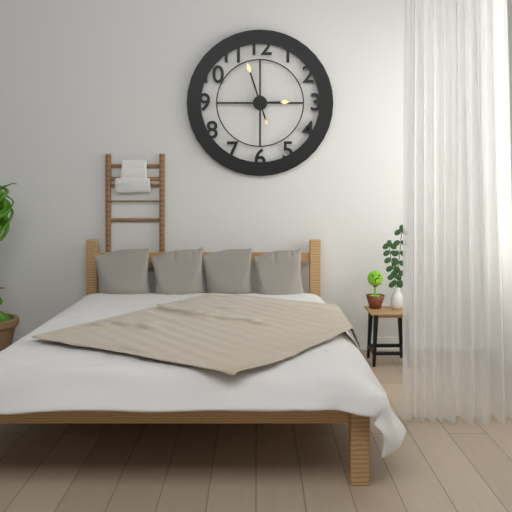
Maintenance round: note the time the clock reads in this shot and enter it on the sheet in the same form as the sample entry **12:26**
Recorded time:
**2:57**
